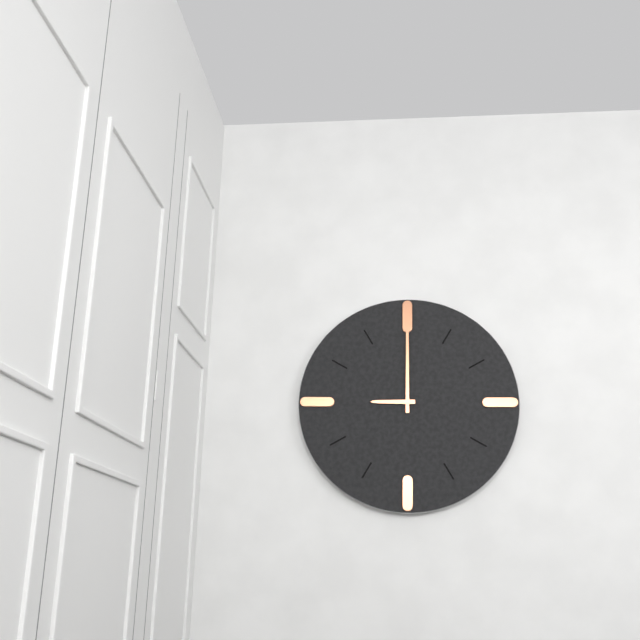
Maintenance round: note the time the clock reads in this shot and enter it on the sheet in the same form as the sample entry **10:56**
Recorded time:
**9:00**
